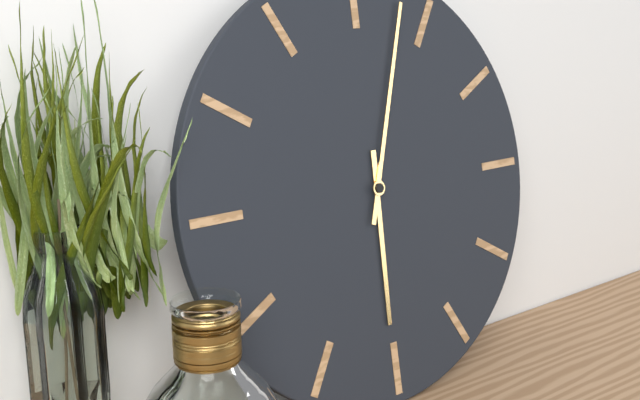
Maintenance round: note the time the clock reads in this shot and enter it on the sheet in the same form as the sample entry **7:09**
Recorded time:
**6:03**
